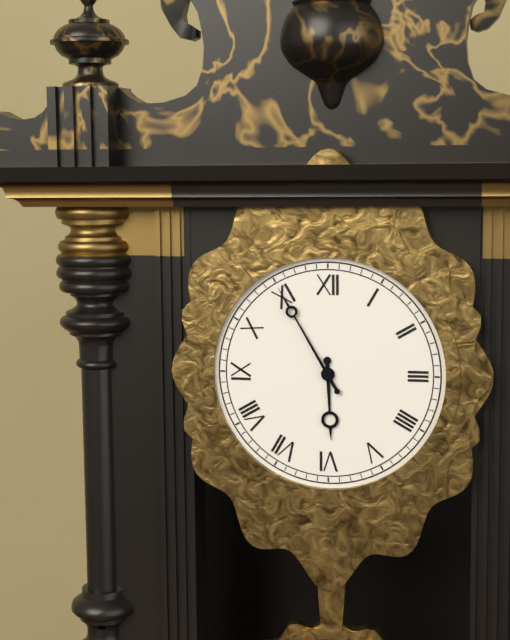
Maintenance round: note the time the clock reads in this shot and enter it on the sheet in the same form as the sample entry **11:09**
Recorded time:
**5:55**
